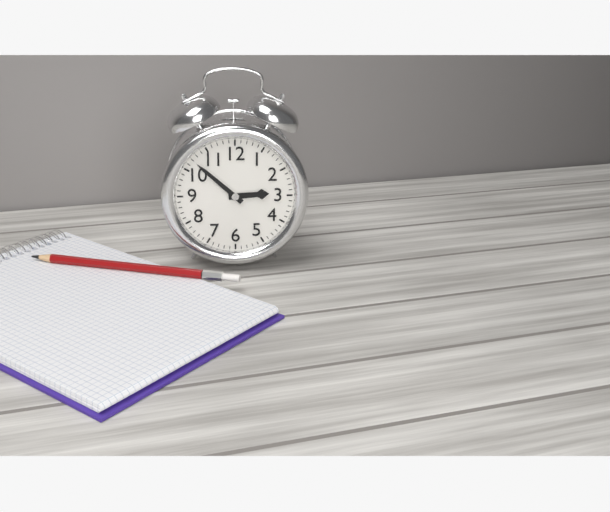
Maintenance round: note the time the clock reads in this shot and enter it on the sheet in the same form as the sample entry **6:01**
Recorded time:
**2:52**
